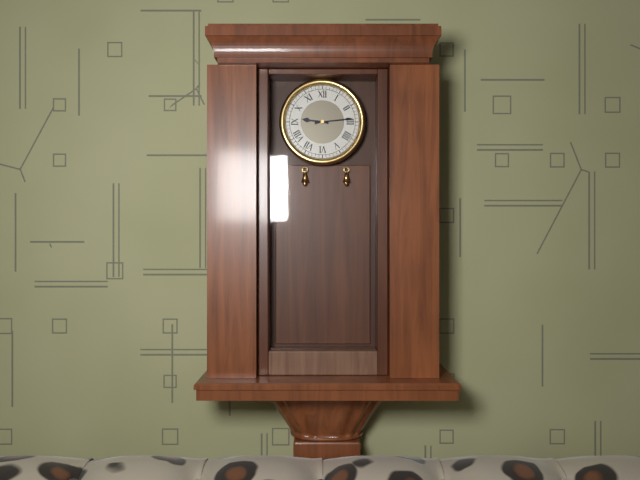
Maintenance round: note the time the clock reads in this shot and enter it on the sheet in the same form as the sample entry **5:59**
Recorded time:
**9:14**
